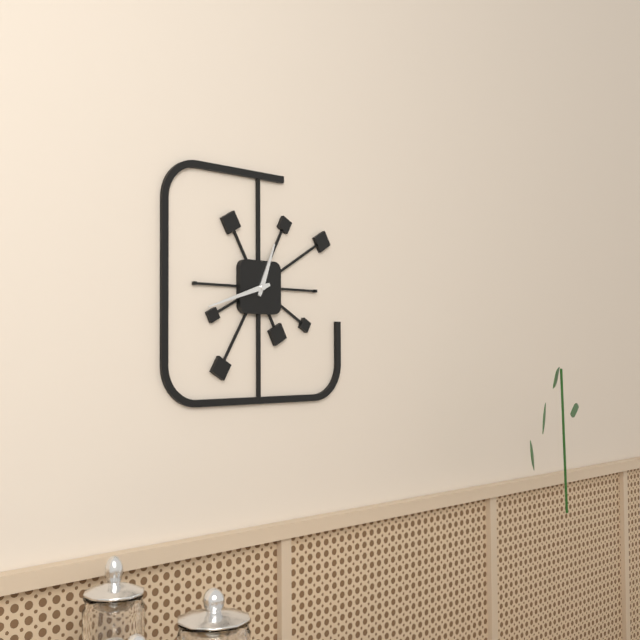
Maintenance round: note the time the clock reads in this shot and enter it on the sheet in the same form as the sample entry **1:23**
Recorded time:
**12:42**
